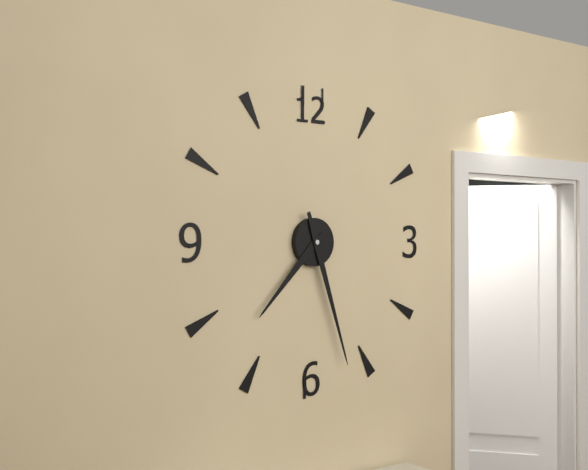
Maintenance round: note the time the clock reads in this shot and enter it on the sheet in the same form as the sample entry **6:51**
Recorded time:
**7:27**
